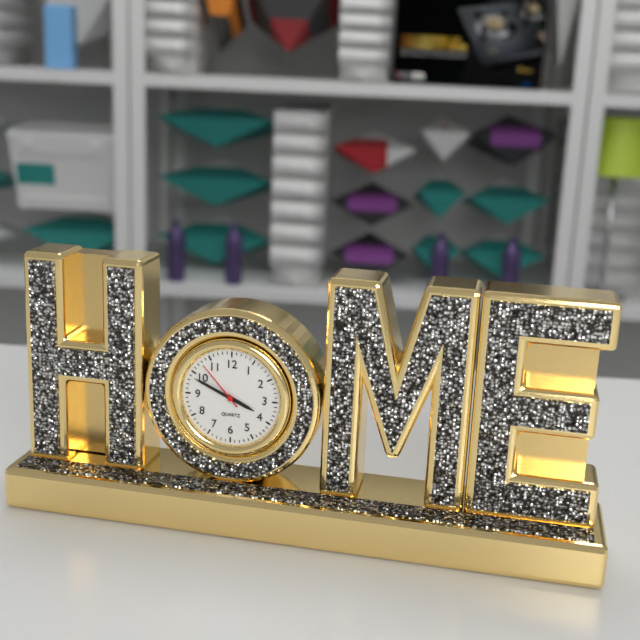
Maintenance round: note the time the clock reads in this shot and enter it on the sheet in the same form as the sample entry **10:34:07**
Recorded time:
**3:49:53**
